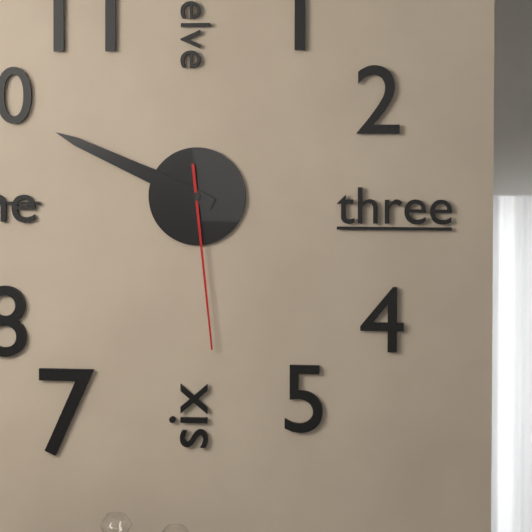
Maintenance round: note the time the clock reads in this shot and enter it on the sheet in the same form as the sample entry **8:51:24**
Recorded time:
**9:49:29**
